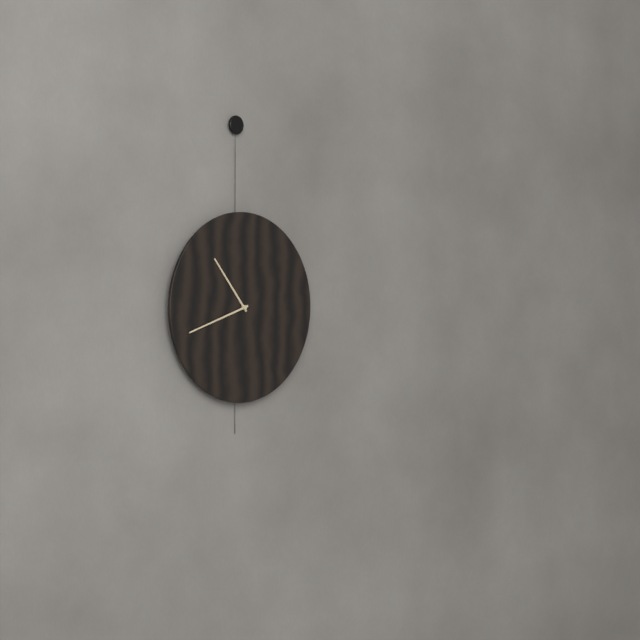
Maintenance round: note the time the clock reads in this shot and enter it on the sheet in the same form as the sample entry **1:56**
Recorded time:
**10:42**
